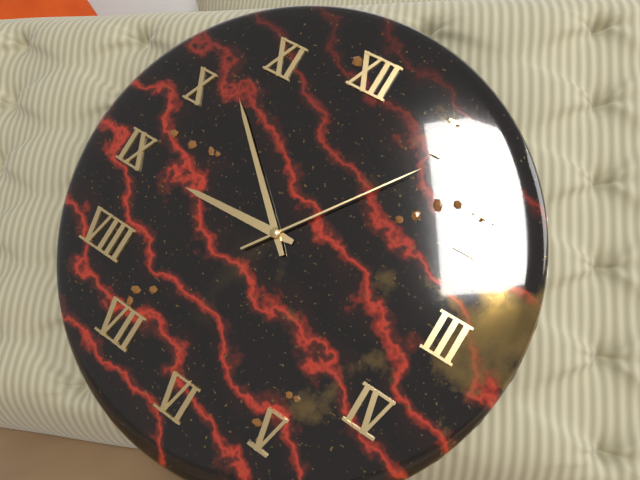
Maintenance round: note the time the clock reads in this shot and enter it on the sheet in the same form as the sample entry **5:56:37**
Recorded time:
**8:52:06**
